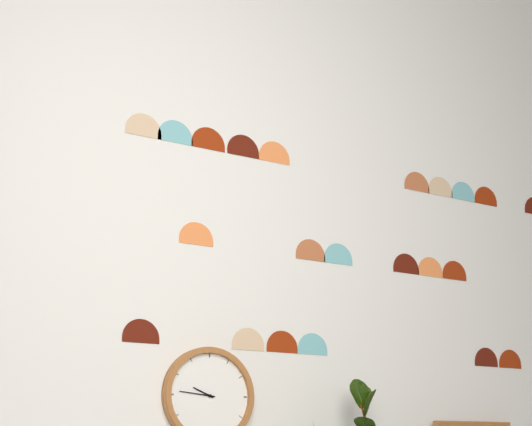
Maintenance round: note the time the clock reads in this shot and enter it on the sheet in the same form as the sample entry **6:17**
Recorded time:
**9:46**
